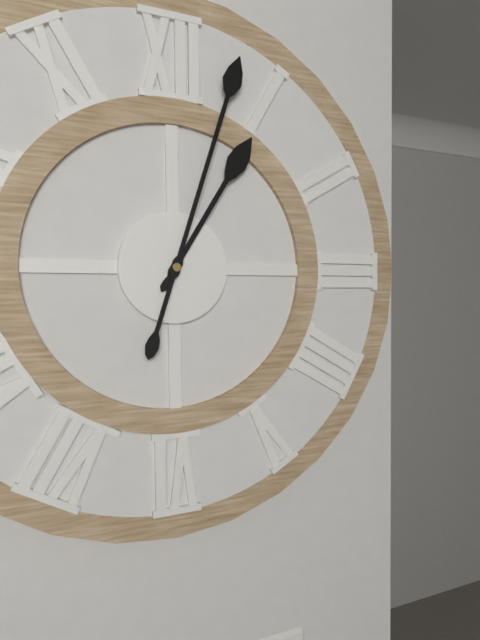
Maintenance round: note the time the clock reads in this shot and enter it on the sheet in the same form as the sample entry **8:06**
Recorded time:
**1:03**
